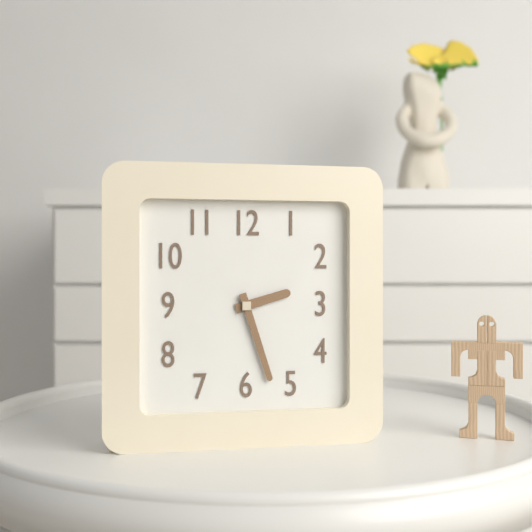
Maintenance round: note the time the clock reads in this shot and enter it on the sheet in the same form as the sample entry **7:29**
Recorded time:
**2:27**
